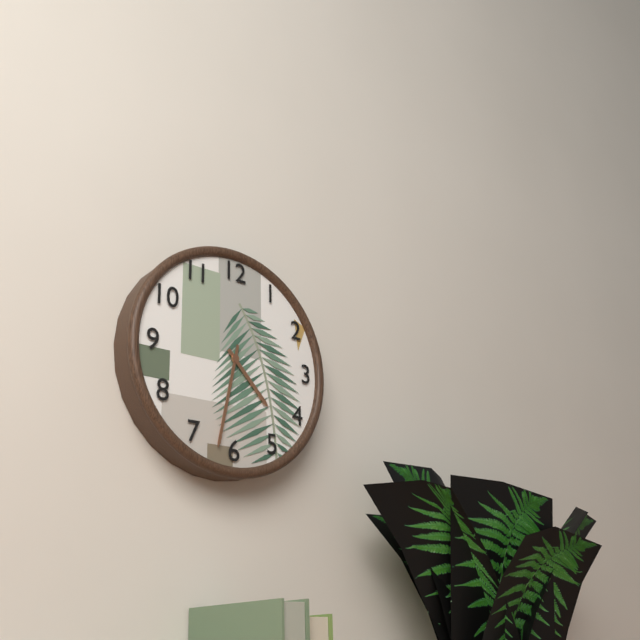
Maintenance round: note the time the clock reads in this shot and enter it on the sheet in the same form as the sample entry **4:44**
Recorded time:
**4:32**
